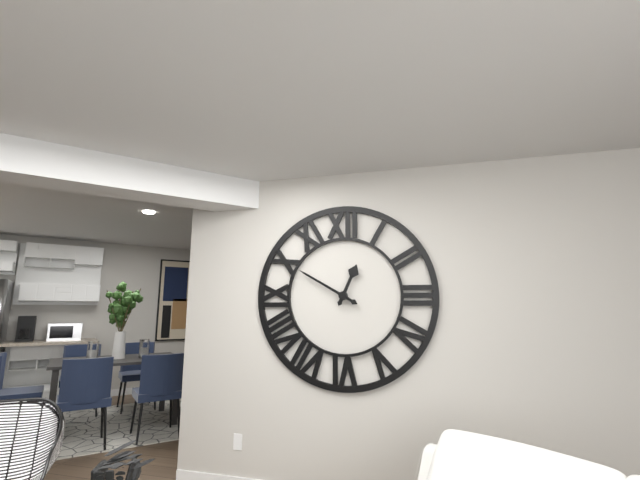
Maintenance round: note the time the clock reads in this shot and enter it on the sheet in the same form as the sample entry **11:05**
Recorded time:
**12:50**
